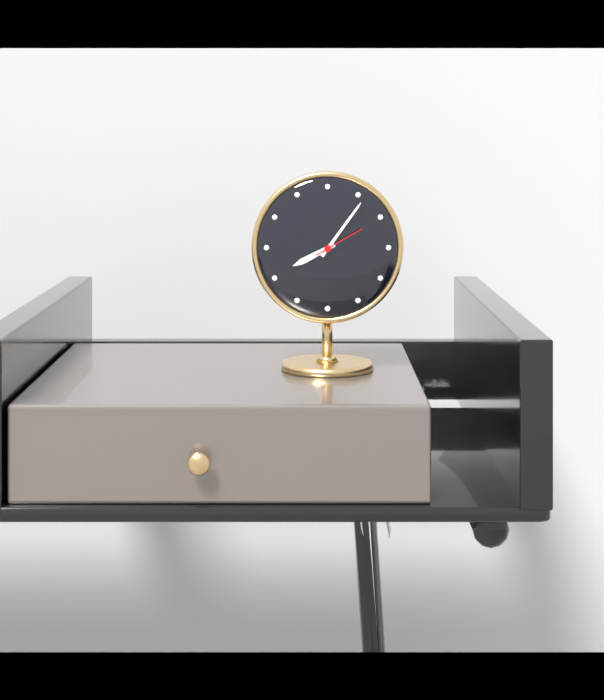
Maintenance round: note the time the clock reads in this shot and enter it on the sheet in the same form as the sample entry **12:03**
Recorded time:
**8:06**
